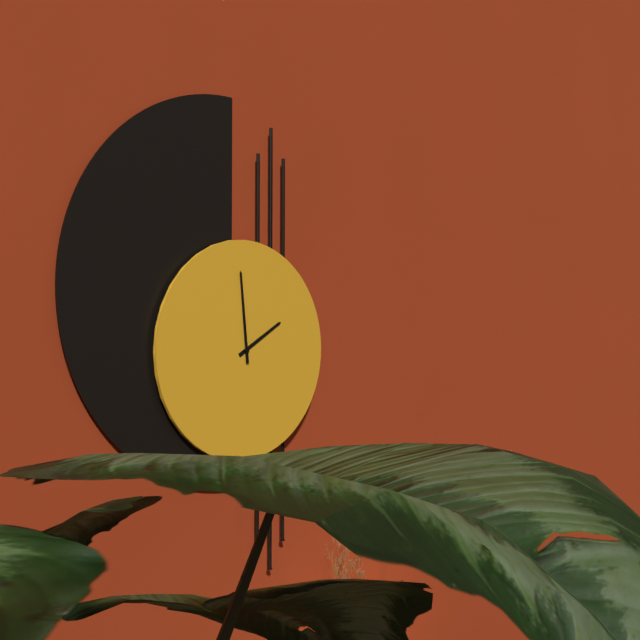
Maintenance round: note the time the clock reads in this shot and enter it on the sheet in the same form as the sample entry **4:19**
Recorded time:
**1:59**
